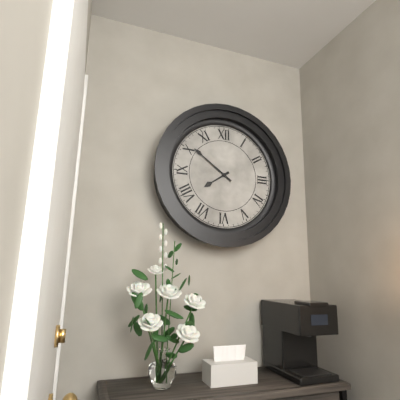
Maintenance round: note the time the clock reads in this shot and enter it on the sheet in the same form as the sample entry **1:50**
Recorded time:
**7:51**
